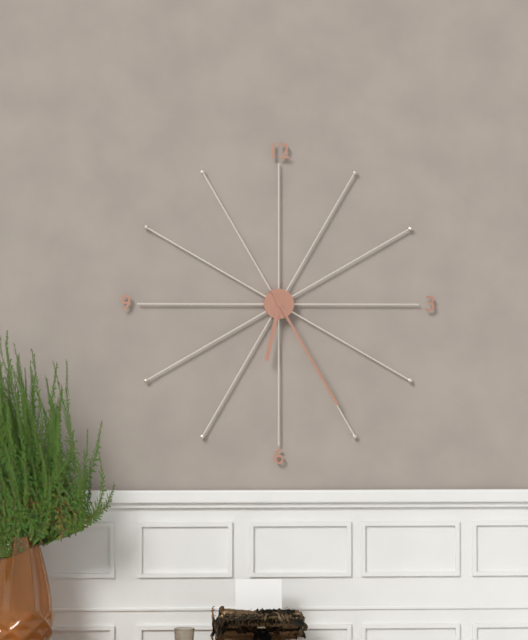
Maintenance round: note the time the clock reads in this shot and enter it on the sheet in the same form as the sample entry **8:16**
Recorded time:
**6:25**
